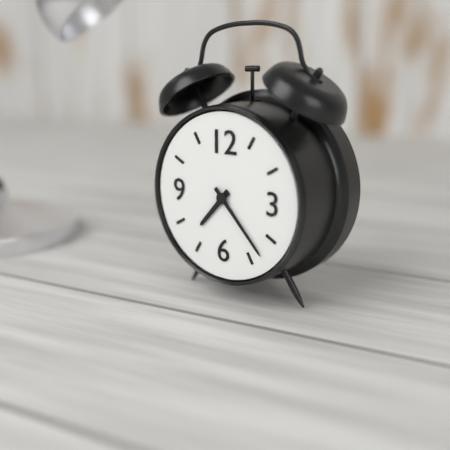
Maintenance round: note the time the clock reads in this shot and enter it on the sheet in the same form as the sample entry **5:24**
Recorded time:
**7:23**
